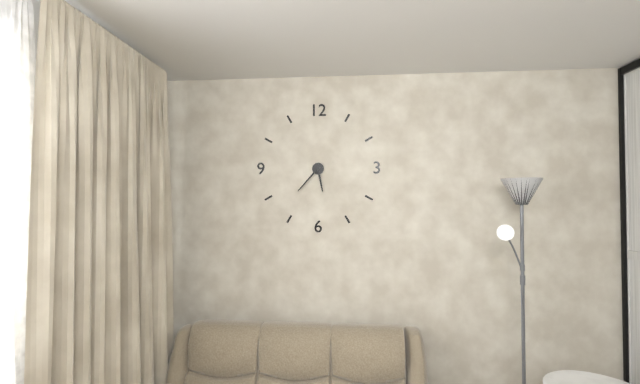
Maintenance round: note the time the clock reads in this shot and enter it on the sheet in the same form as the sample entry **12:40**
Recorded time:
**5:37**
